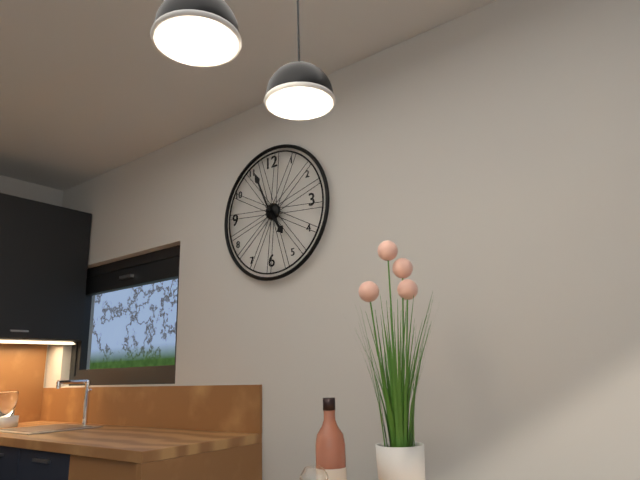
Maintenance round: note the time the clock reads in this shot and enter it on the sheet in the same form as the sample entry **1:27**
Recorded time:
**4:56**
